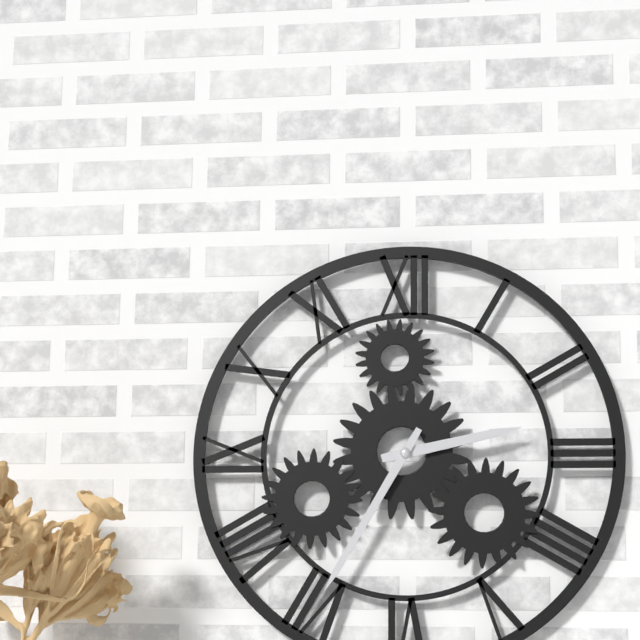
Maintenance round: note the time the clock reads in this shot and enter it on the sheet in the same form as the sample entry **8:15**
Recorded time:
**2:35**
